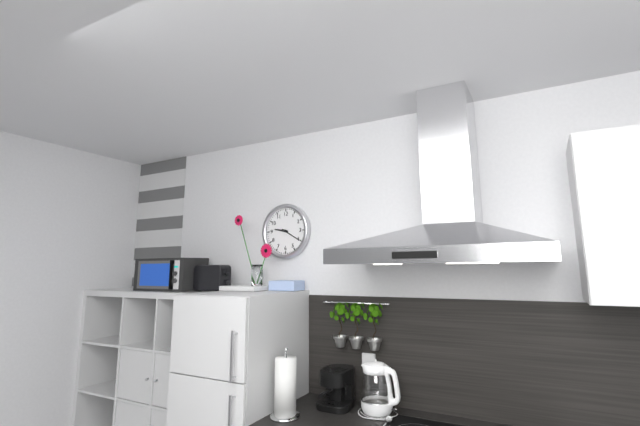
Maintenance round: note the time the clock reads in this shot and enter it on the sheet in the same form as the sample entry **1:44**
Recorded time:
**9:20**
